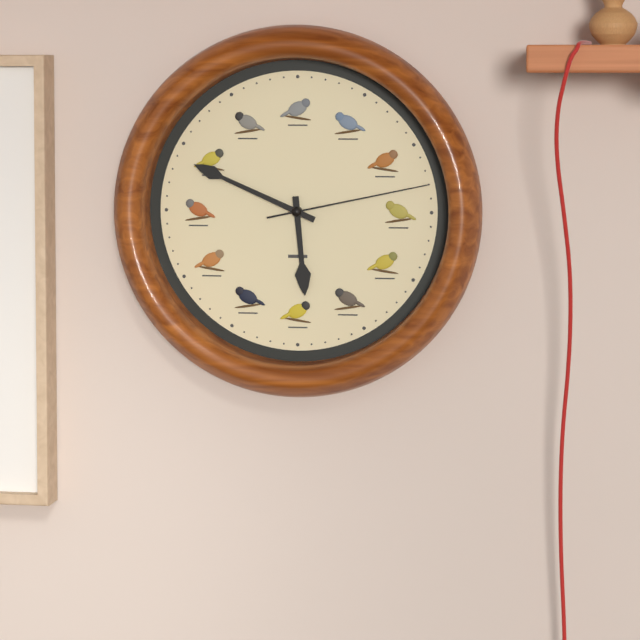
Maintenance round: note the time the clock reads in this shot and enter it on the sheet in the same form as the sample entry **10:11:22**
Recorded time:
**5:49:13**
